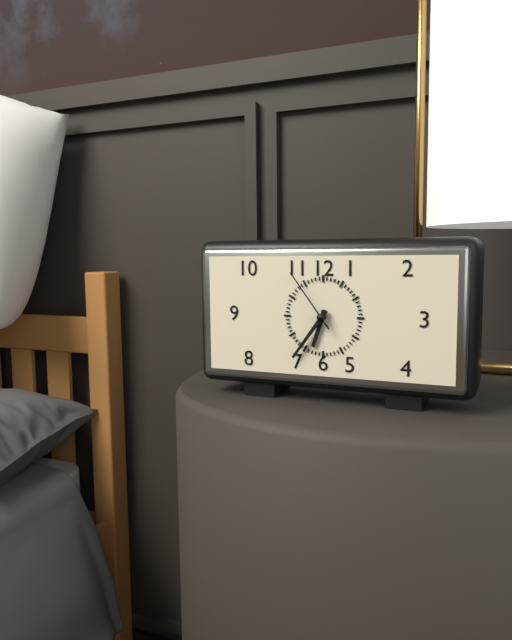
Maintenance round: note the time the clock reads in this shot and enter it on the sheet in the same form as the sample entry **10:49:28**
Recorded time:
**6:36:54**
